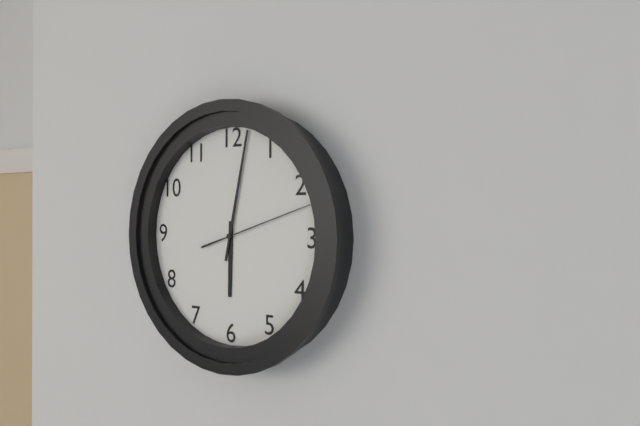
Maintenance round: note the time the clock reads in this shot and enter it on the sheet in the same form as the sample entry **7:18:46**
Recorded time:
**6:02:12**
